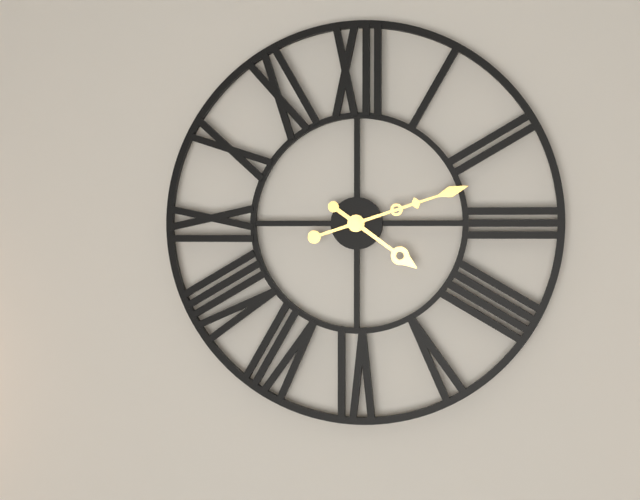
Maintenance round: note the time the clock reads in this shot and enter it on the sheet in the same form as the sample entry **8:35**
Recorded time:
**4:12**
